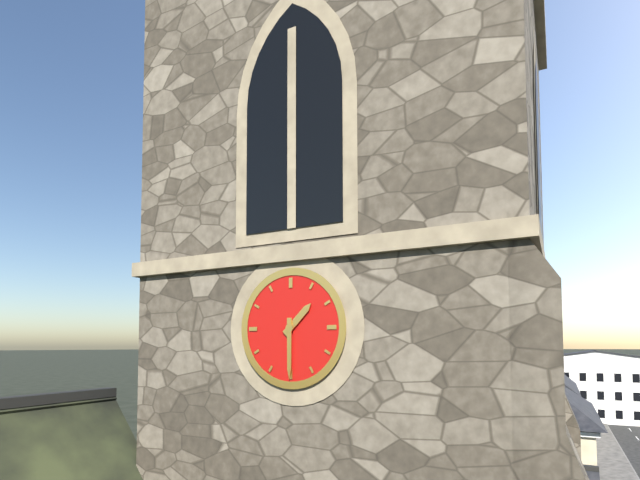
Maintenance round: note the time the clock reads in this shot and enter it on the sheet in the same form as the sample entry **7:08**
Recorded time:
**1:30**
